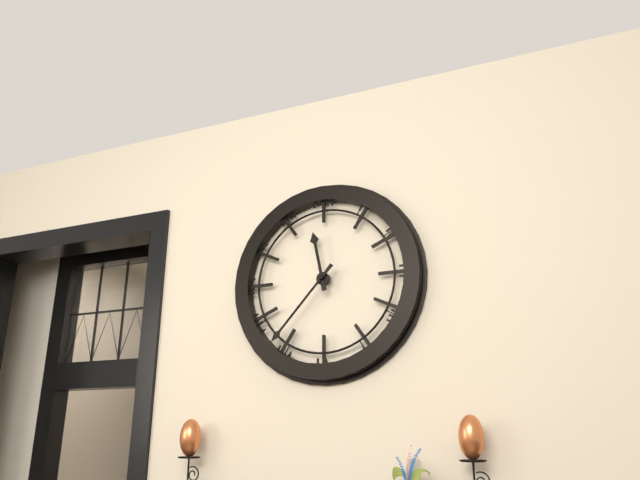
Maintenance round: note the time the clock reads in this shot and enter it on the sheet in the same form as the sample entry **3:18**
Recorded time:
**11:37**
